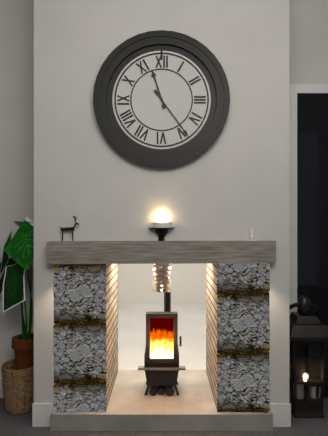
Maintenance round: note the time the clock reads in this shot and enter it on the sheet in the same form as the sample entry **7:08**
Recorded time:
**11:24**
